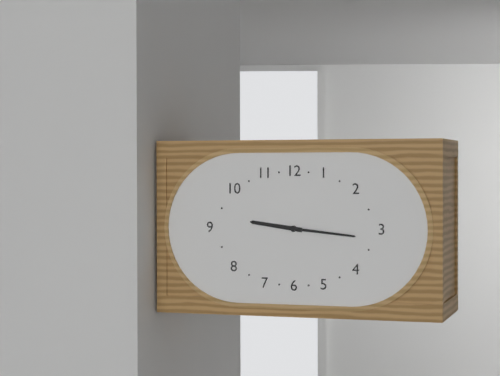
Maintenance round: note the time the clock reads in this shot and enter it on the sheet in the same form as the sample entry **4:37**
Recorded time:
**9:16**
